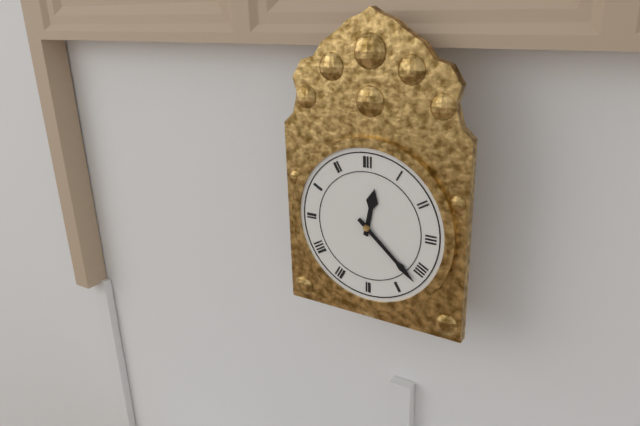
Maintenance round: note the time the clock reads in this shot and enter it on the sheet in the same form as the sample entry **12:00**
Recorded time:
**12:22**
